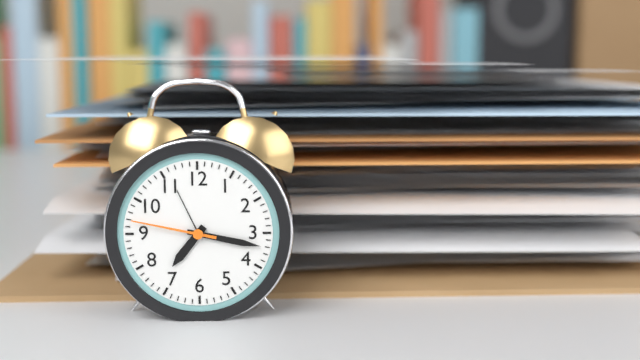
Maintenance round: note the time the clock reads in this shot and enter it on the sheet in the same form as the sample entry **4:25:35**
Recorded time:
**7:17:47**
